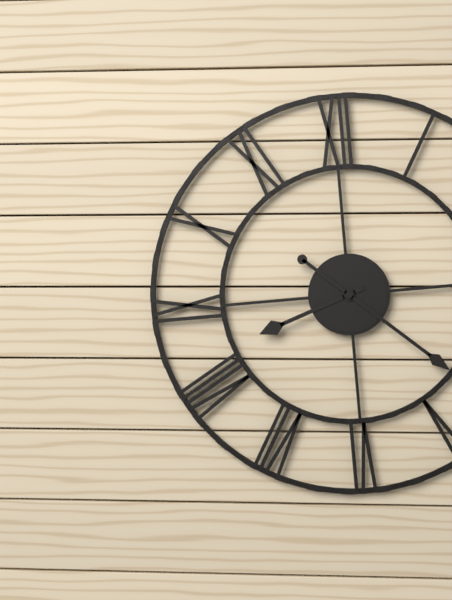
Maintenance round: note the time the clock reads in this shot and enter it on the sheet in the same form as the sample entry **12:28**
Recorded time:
**8:22**
